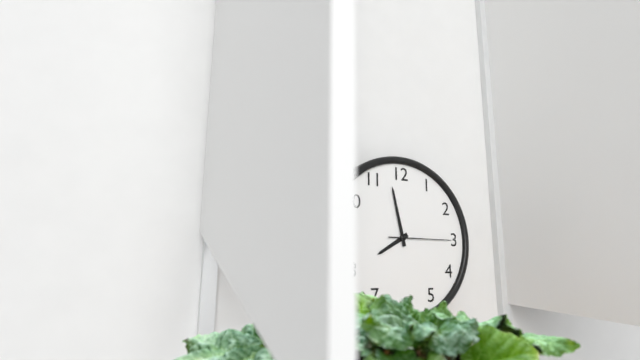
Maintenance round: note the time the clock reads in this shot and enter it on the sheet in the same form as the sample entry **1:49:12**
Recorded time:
**7:58:15**
